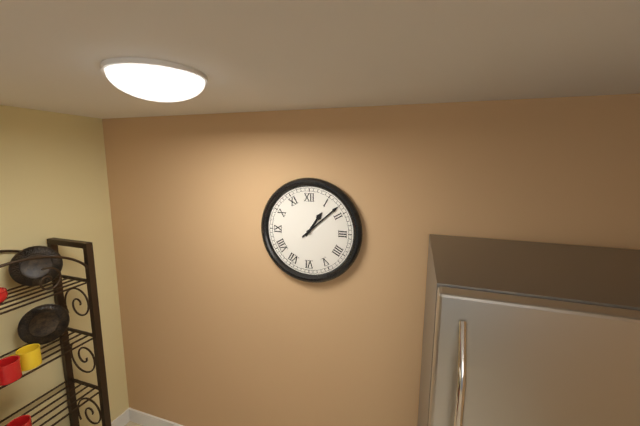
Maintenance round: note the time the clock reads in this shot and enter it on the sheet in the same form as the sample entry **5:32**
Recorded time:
**1:08**
